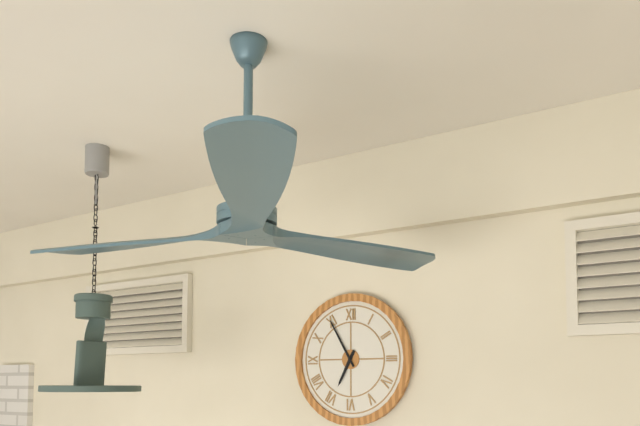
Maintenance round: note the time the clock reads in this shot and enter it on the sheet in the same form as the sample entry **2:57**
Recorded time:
**6:55**
